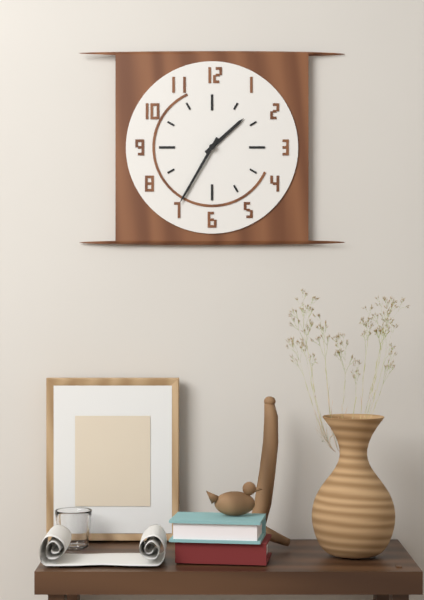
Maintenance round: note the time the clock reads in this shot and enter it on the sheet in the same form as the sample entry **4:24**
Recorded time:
**1:35**
